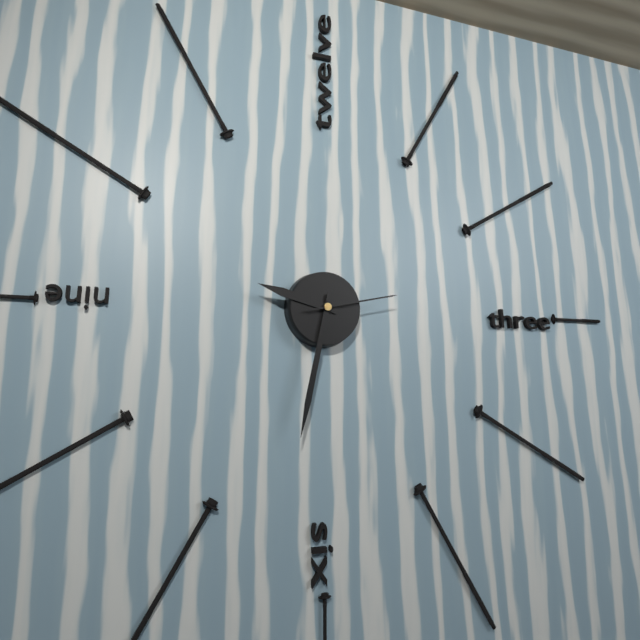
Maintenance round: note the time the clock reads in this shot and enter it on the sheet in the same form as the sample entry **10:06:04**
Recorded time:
**9:32:13**
